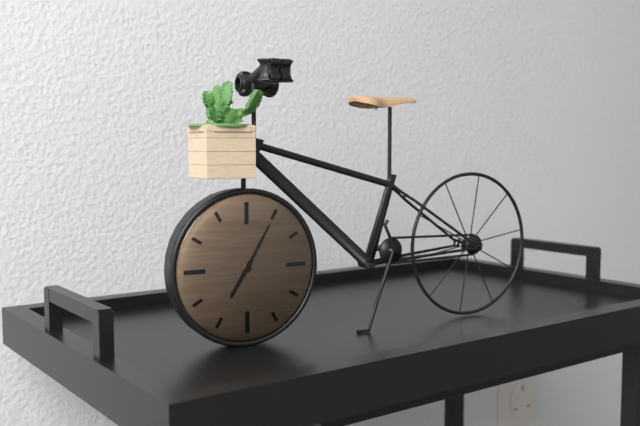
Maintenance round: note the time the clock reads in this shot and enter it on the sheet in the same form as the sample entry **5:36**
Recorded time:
**7:05**
